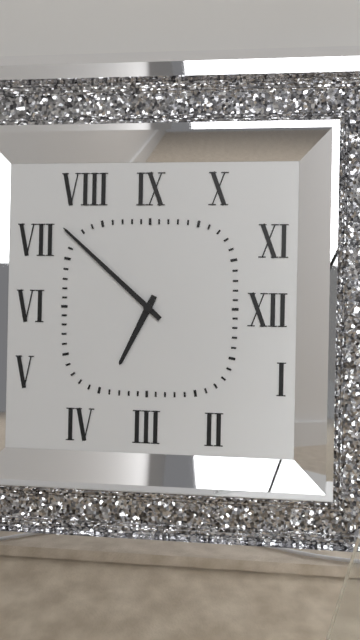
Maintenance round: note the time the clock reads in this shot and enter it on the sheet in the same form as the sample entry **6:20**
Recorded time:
**6:52**
